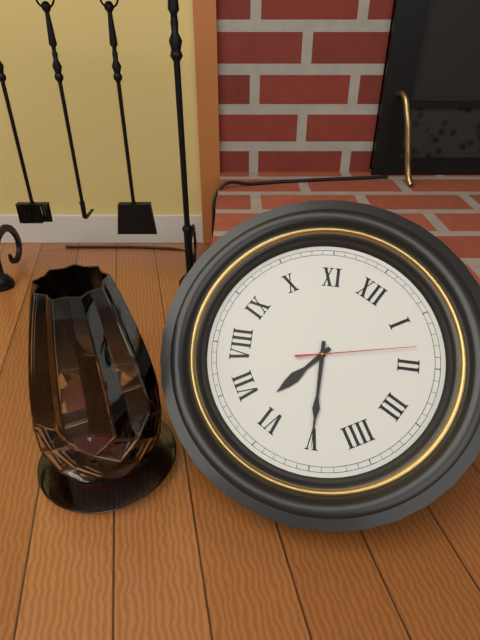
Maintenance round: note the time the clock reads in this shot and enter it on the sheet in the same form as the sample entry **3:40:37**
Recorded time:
**6:25:08**
